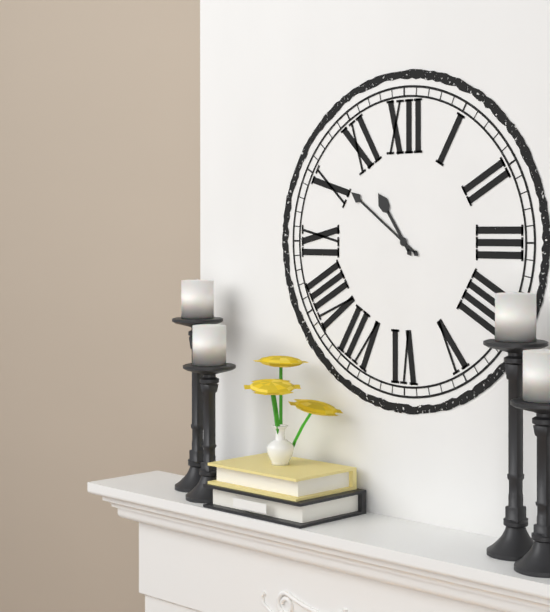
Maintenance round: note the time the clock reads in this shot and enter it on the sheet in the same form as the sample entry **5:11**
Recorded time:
**10:51**
